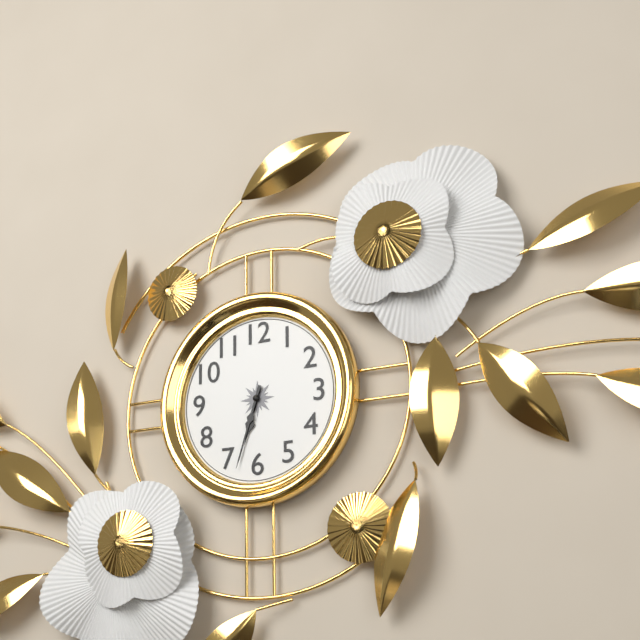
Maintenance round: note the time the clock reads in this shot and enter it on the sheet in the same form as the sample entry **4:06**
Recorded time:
**6:33**
